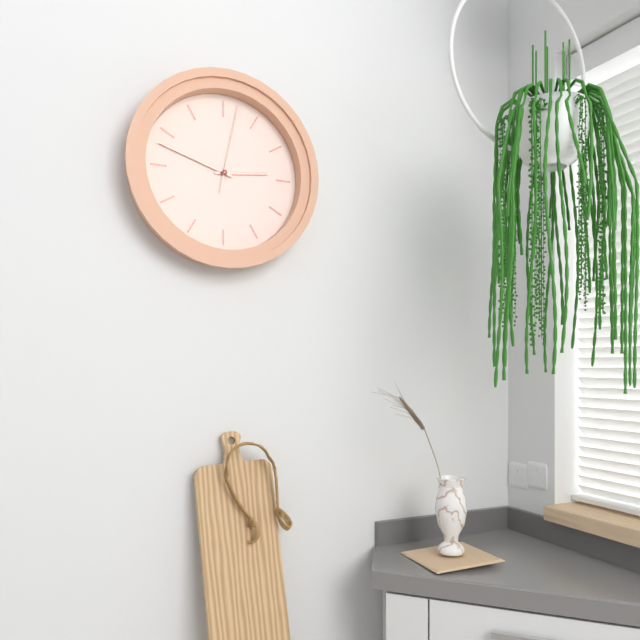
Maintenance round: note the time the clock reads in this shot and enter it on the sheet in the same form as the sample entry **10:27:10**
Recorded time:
**2:48:02**
